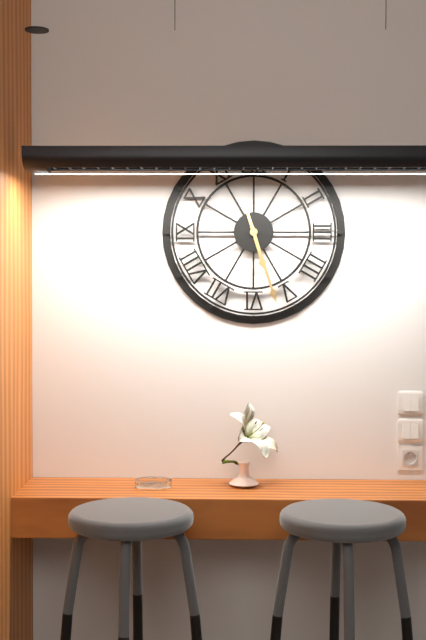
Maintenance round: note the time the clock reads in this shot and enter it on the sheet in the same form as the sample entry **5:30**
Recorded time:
**5:27**
